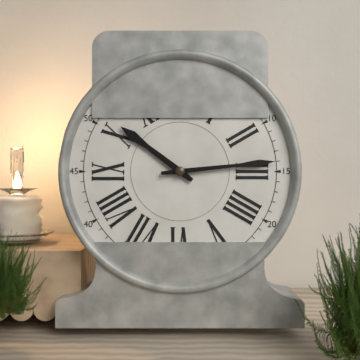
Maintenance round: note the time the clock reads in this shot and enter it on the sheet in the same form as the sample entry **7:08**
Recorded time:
**10:14**
